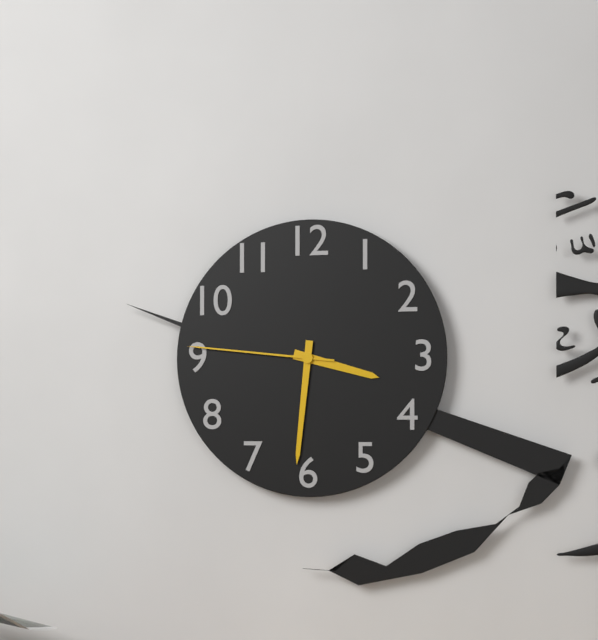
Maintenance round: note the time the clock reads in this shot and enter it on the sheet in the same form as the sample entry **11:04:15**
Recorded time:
**3:31:46**
